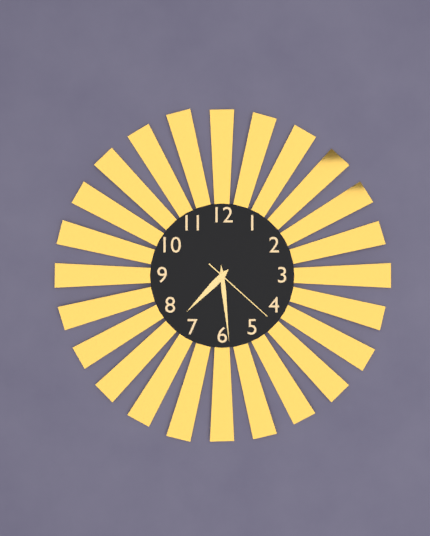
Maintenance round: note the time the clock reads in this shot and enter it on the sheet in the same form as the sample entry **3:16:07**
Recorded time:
**7:29:22**
